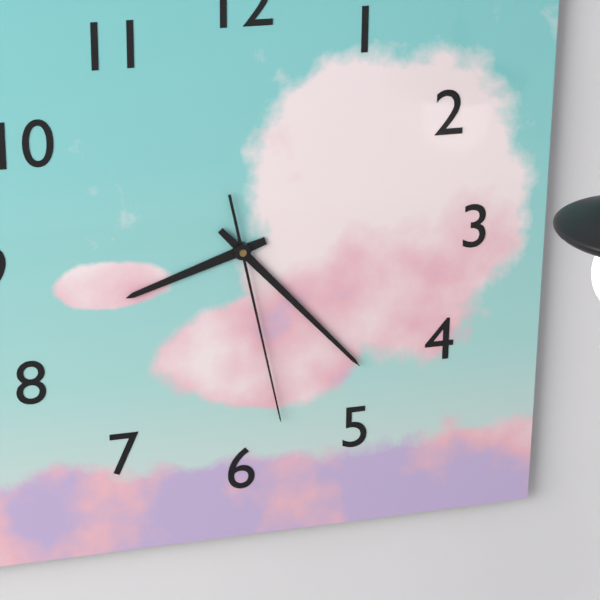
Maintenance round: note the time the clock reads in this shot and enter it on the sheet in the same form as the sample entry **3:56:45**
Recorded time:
**8:23:28**
